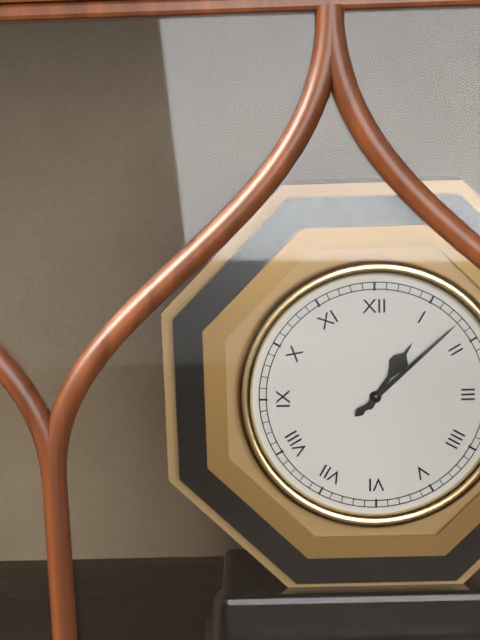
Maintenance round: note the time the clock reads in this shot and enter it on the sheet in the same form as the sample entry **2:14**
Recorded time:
**1:08**
